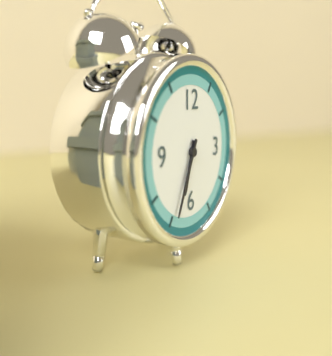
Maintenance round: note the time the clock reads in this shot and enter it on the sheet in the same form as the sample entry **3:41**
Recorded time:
**6:34**
